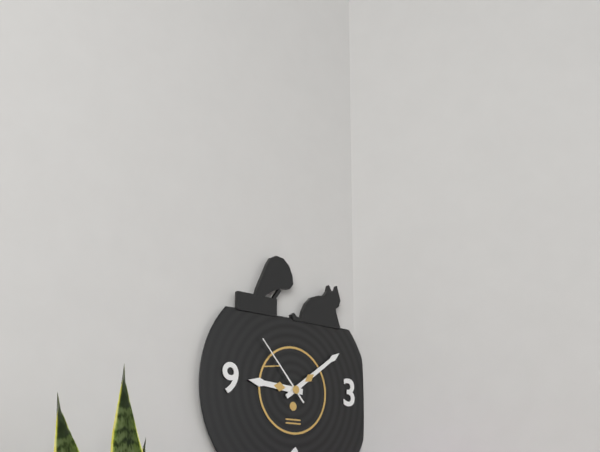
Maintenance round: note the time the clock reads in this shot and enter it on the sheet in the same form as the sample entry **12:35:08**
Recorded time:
**9:09:53**
